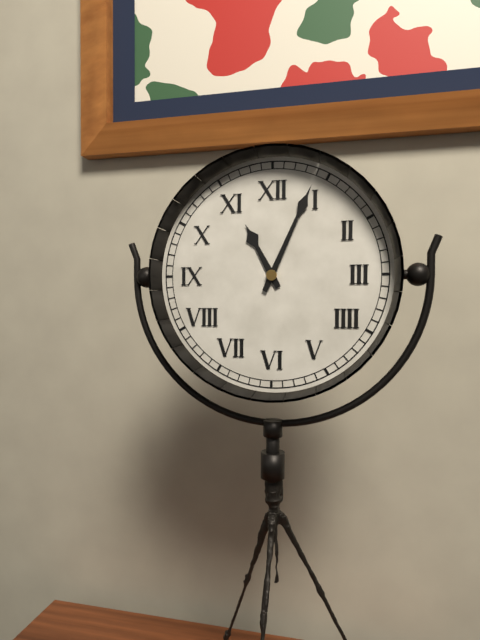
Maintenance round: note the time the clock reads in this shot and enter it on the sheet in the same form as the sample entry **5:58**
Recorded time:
**11:04**
